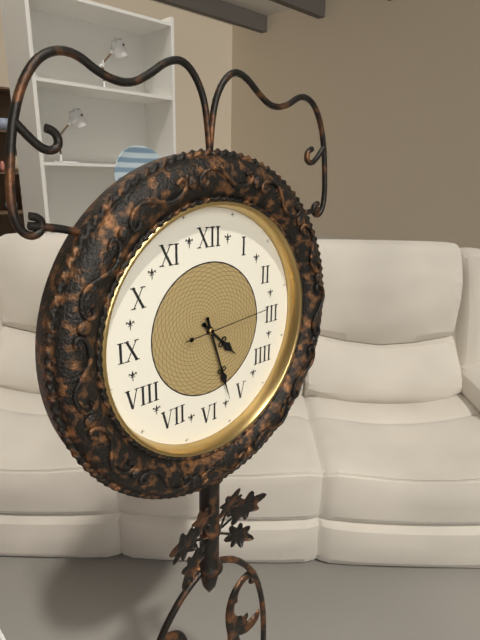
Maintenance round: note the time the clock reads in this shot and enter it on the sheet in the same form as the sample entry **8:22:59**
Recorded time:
**4:27:14**
